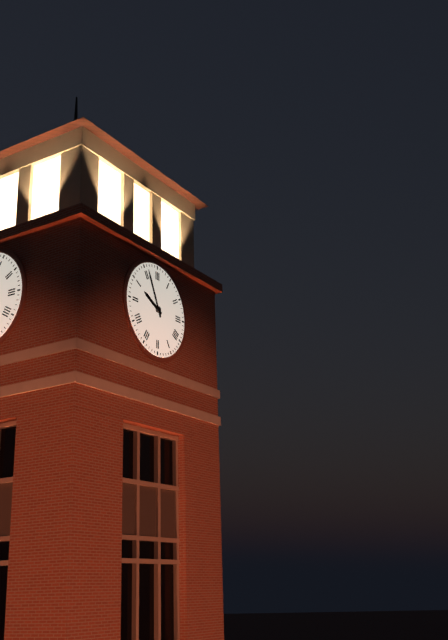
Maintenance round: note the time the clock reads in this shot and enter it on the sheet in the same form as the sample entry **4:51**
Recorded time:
**9:56**
